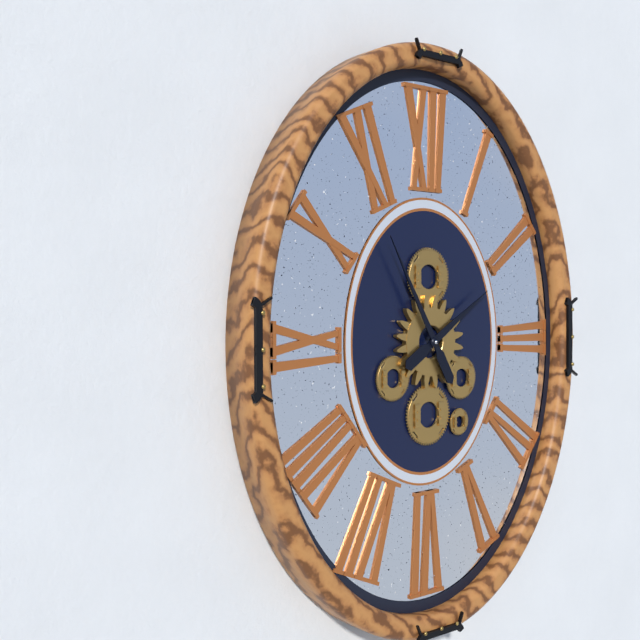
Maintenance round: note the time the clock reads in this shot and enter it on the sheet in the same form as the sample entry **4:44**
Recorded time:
**1:55**
